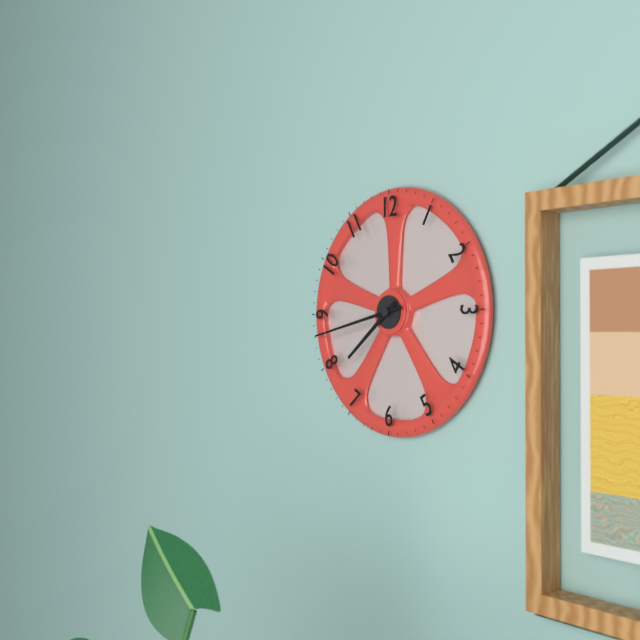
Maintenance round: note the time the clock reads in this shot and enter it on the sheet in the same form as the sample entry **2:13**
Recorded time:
**7:43**
